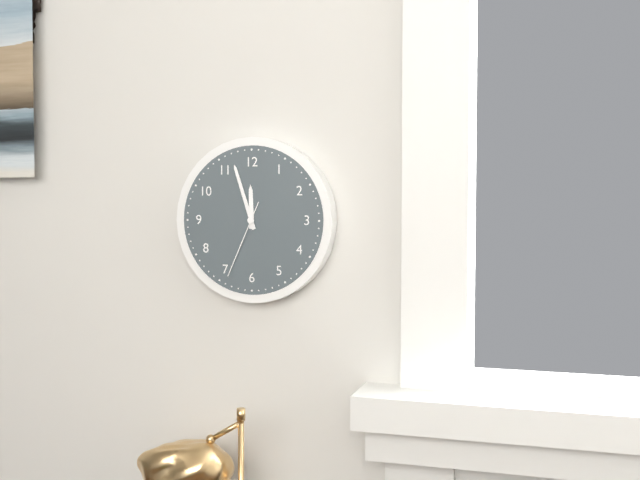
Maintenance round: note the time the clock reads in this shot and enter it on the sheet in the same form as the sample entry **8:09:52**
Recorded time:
**11:57:34**
